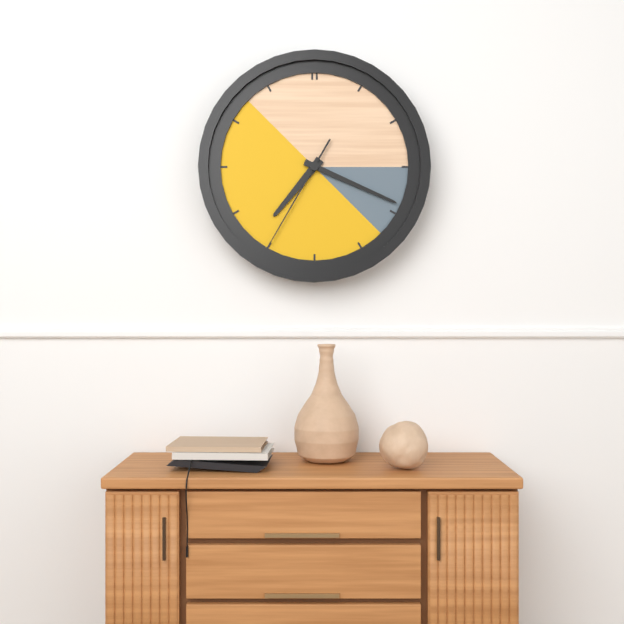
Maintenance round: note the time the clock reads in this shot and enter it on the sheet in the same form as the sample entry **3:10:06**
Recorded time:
**7:19:35**
